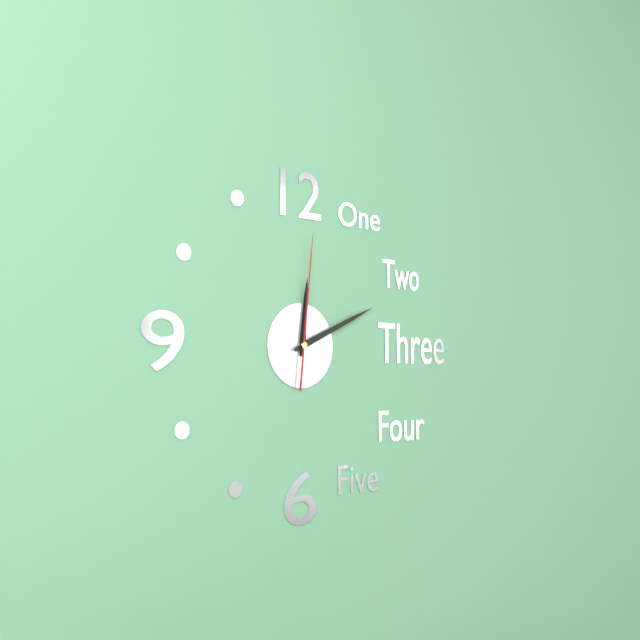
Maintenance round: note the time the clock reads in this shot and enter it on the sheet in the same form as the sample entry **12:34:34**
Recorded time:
**12:11:01**
